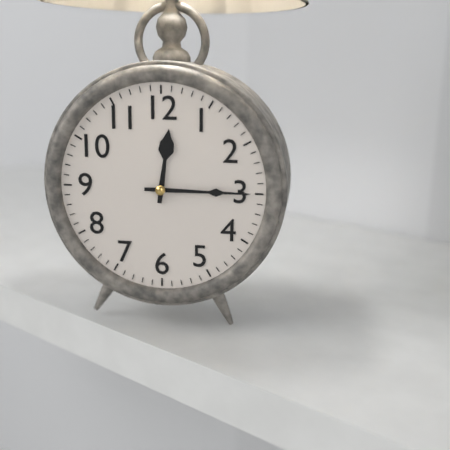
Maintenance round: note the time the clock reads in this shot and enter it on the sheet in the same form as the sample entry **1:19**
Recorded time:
**12:15**
